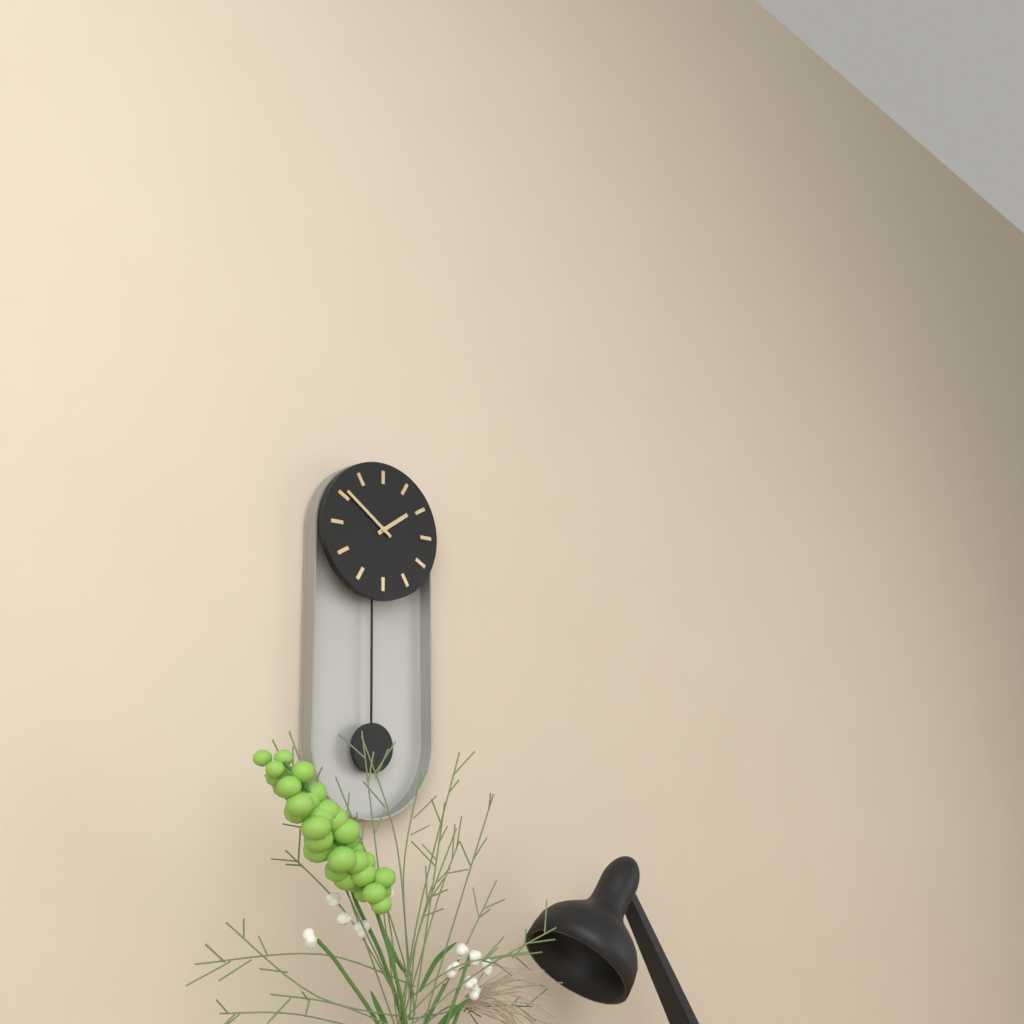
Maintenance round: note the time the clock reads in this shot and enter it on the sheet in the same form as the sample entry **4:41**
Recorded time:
**1:51**
